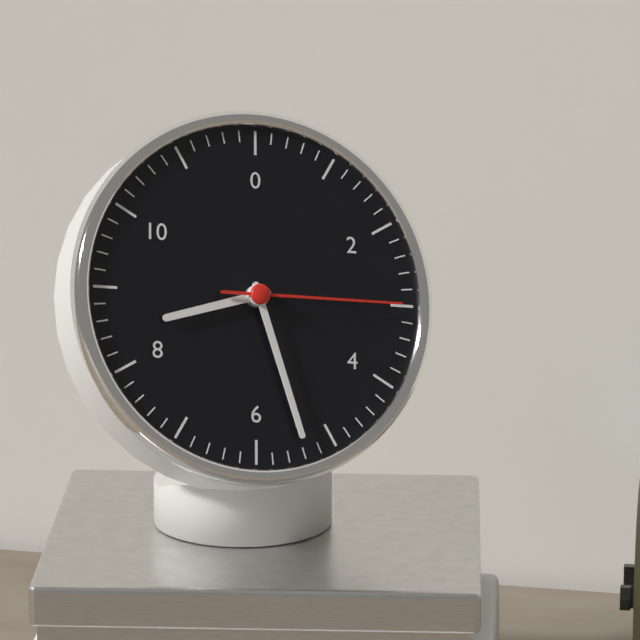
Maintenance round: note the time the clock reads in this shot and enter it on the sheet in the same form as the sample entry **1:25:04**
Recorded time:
**8:27:15**
